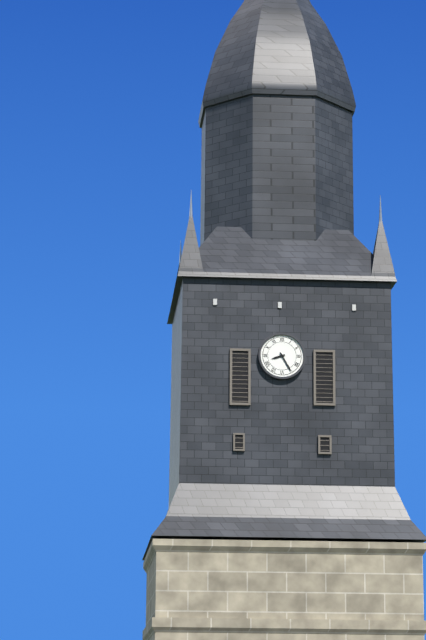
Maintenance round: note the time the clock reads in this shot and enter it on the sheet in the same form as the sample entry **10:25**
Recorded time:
**8:25**
